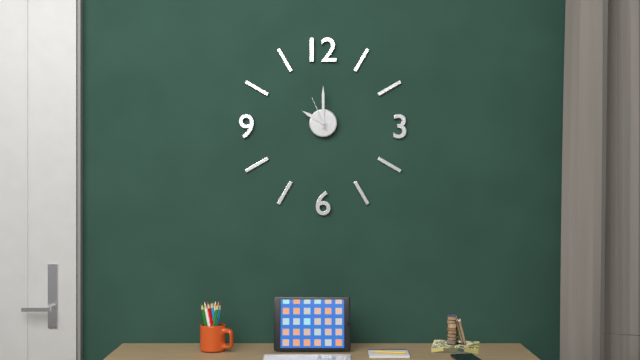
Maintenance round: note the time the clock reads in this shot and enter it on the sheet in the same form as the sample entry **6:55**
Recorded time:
**10:00**
